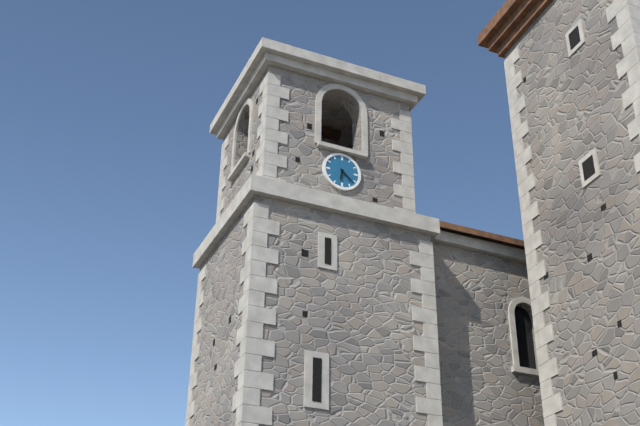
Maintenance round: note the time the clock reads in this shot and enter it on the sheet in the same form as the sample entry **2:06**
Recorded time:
**6:22**
